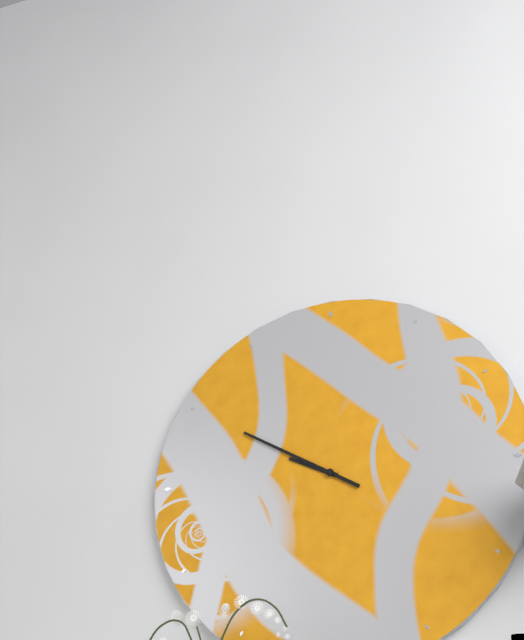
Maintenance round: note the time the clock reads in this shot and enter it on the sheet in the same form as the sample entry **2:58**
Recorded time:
**9:50**
